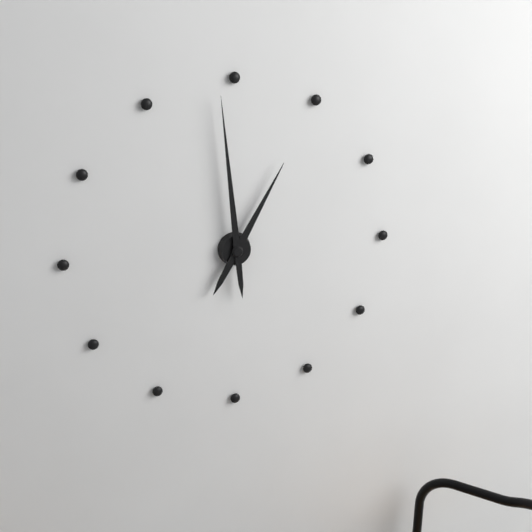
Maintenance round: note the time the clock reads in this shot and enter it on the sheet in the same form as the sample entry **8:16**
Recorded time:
**12:59**
